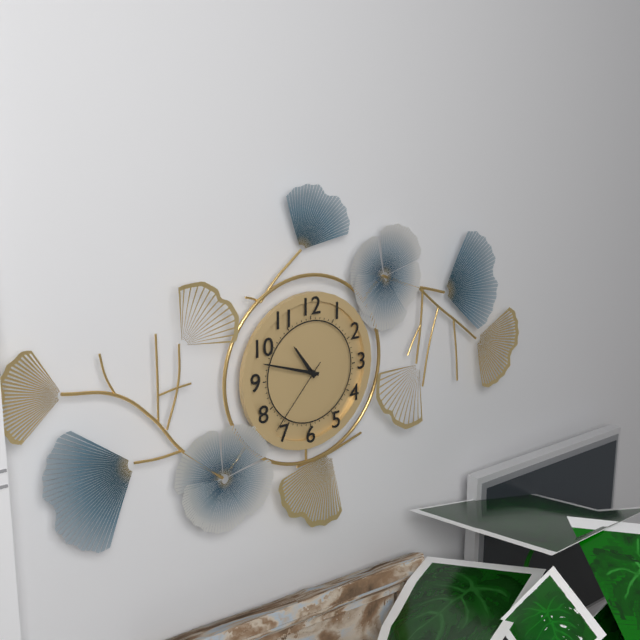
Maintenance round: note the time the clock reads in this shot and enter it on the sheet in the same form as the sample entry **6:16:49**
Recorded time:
**10:48:37**
